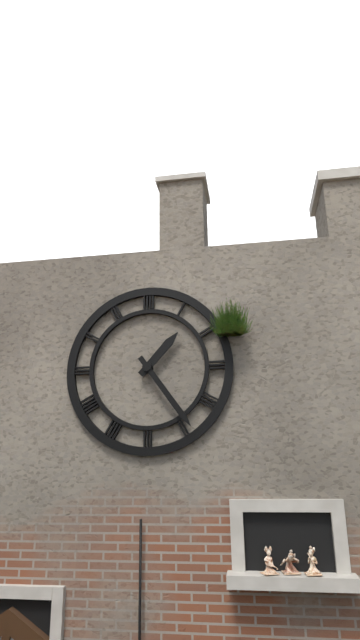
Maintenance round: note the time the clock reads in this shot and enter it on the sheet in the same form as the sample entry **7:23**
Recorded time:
**1:24**
